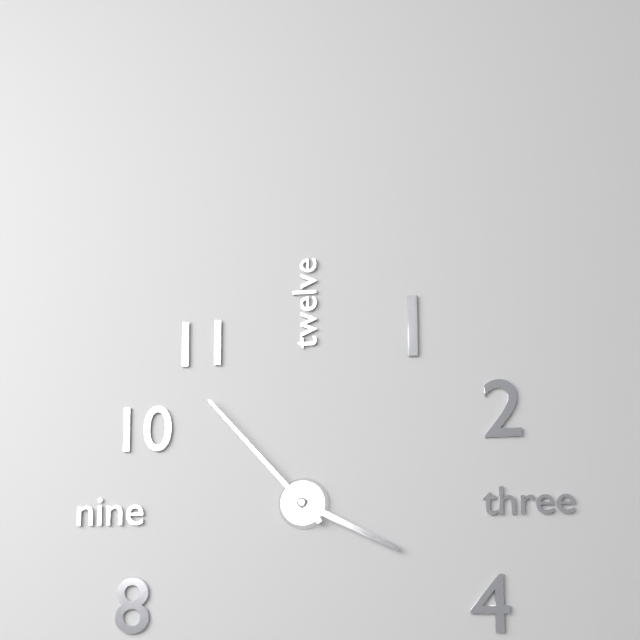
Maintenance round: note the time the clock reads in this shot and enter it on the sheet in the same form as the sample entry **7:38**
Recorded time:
**3:53**
